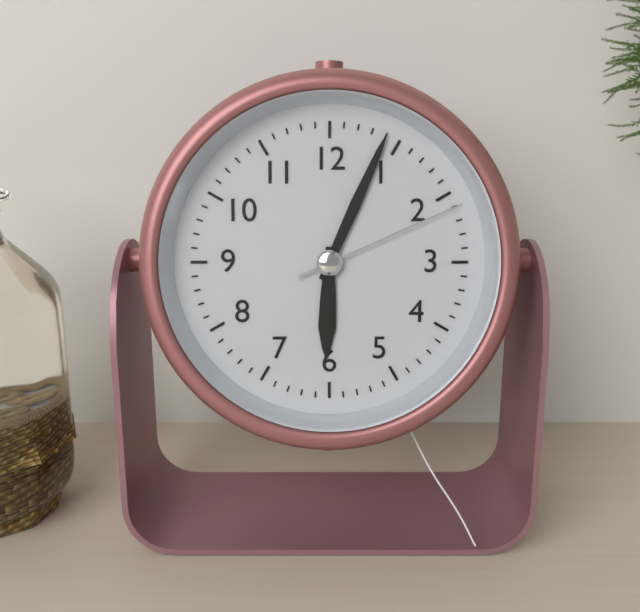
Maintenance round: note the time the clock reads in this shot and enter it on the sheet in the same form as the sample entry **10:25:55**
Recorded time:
**6:04:11**
